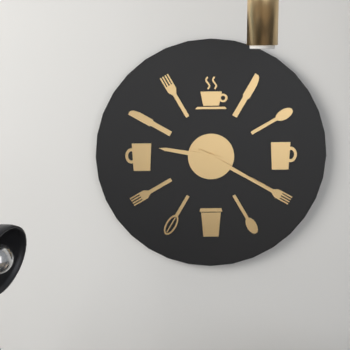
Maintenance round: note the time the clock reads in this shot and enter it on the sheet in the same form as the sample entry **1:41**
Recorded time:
**9:20**
